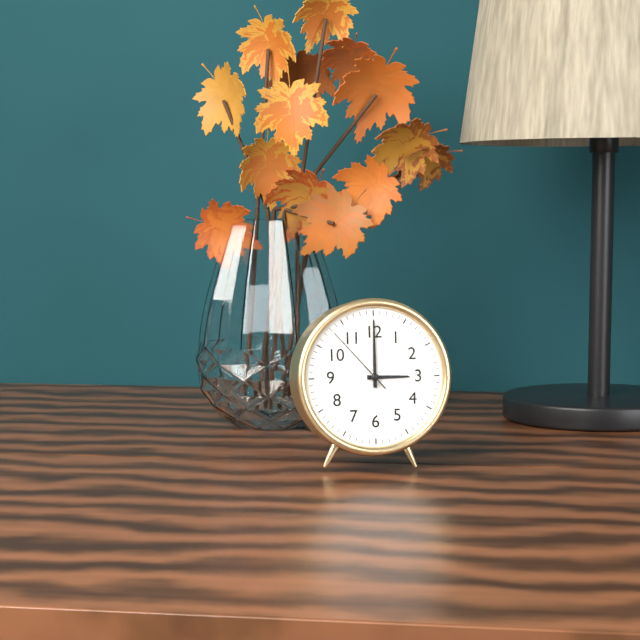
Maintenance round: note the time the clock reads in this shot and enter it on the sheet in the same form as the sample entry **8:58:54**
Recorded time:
**3:00:53**
